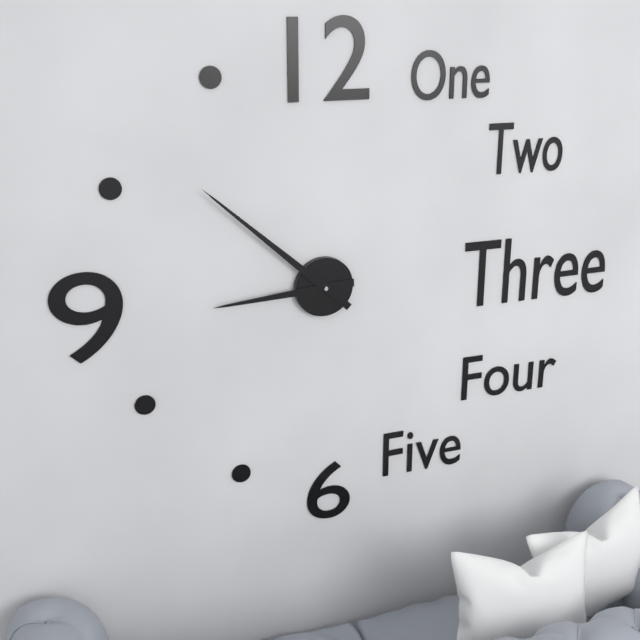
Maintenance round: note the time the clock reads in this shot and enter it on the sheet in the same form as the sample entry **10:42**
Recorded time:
**8:52**
